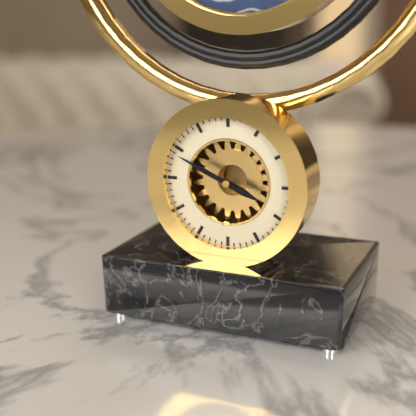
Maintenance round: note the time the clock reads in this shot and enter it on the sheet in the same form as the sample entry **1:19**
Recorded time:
**3:49**
